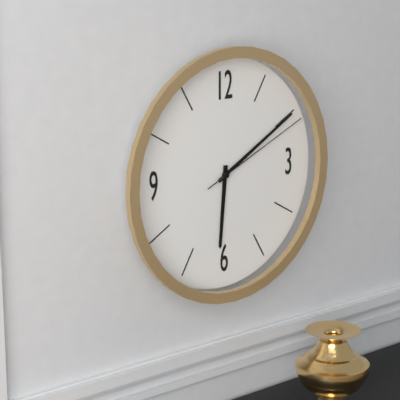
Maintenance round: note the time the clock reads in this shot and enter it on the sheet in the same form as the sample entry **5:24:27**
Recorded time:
**6:10:11**
